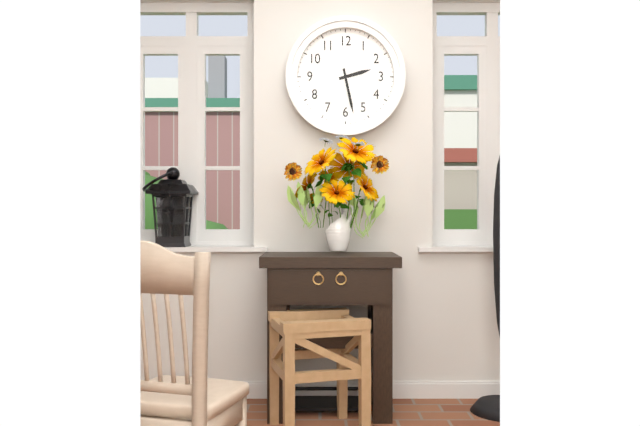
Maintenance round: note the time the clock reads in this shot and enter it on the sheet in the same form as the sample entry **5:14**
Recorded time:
**2:28**
